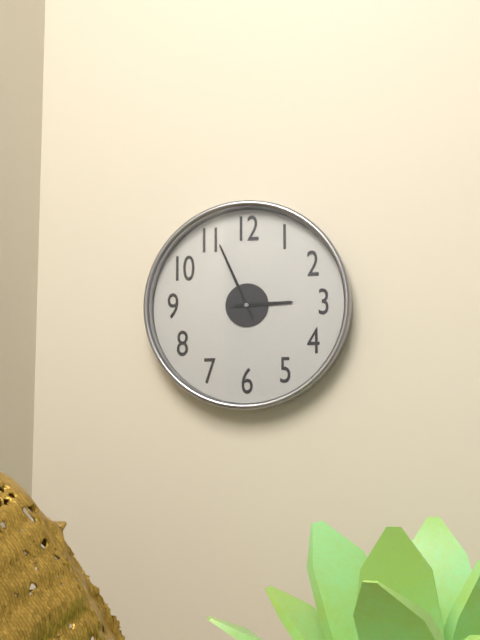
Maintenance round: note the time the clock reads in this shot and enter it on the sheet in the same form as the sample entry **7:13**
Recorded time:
**2:56**
